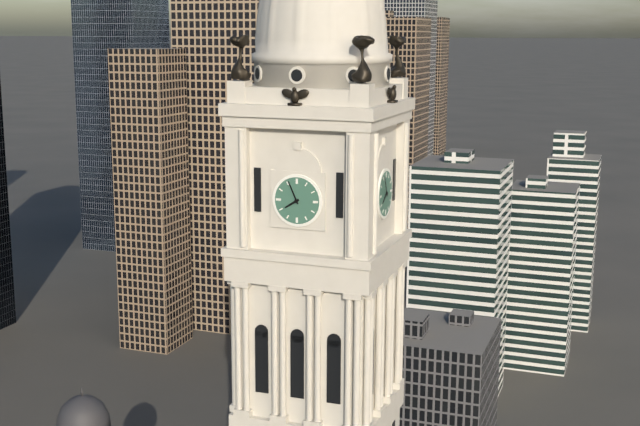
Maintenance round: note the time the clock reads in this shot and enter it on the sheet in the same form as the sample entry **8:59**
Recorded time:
**7:56**
